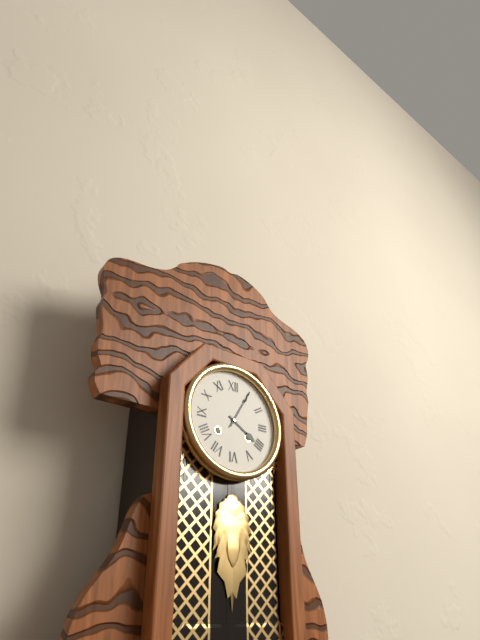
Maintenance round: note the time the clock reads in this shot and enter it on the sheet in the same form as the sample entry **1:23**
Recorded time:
**4:05**
